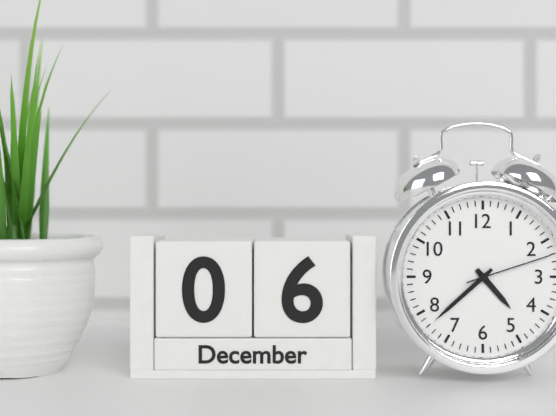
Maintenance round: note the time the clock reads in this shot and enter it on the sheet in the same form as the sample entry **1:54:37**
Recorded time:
**4:38:12**
